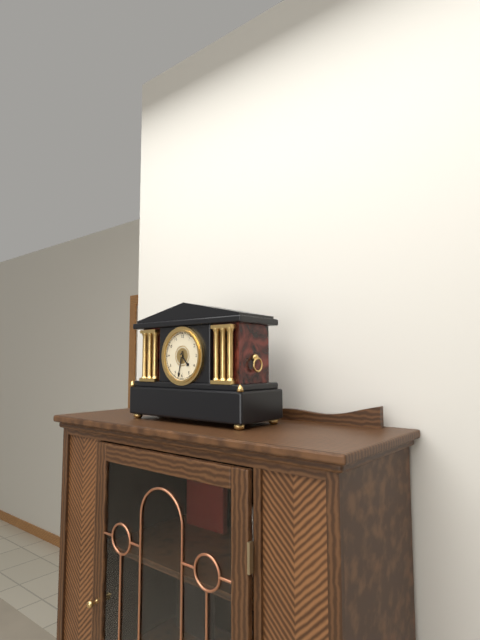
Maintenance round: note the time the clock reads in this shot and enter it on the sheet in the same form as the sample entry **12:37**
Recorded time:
**4:32**
